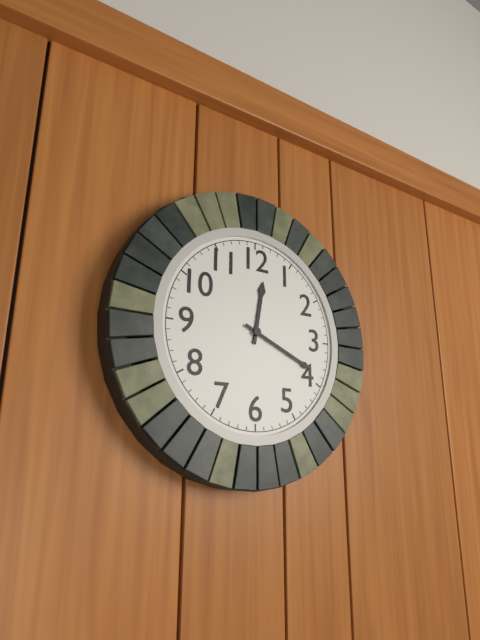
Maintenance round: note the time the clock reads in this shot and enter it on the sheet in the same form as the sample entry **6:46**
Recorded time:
**12:19**
